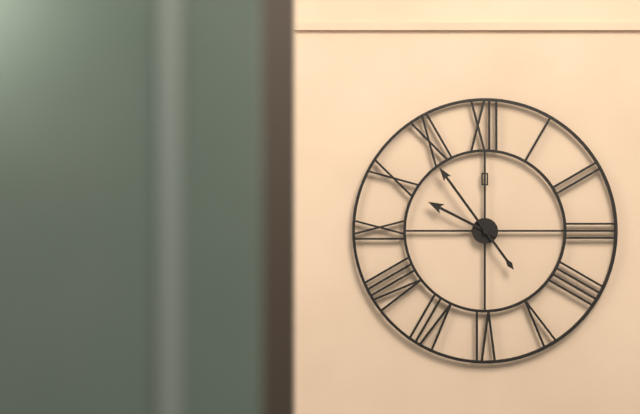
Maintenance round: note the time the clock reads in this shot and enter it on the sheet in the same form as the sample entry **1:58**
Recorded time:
**9:54**
